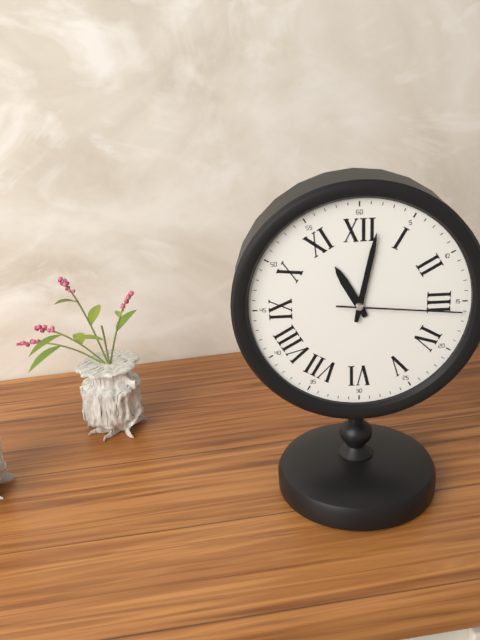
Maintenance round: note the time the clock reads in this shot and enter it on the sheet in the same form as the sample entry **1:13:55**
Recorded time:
**11:02:16**
